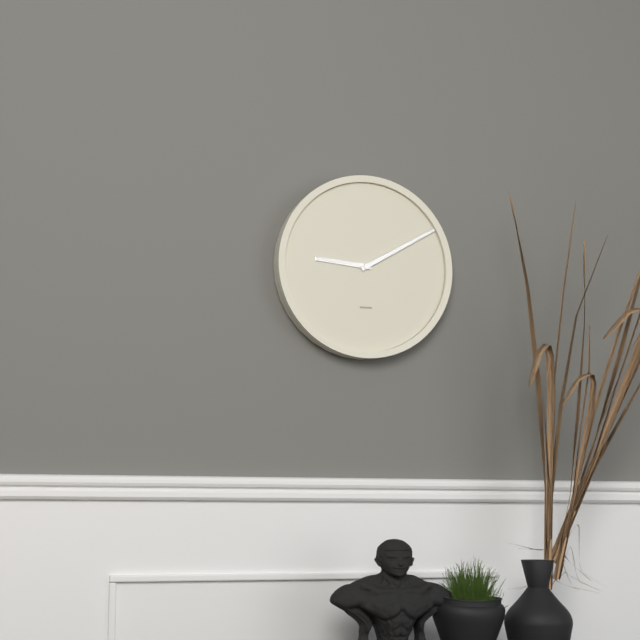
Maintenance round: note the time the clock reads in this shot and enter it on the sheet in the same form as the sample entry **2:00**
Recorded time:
**9:10**
